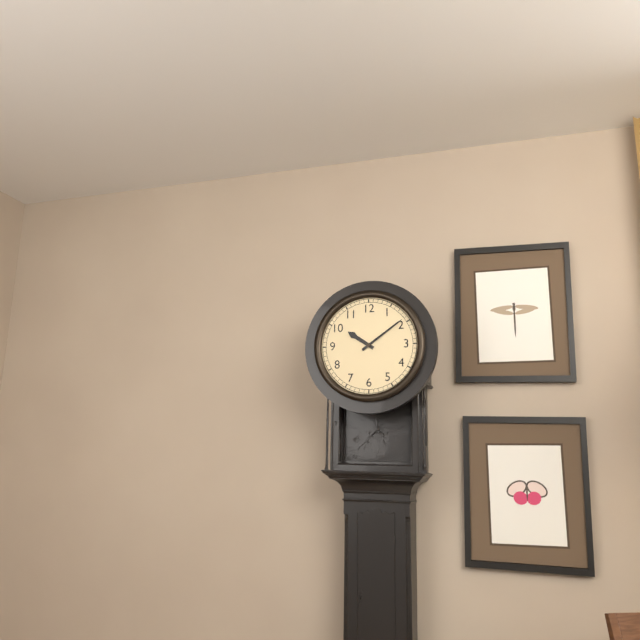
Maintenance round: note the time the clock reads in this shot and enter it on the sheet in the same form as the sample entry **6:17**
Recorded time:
**10:09**
